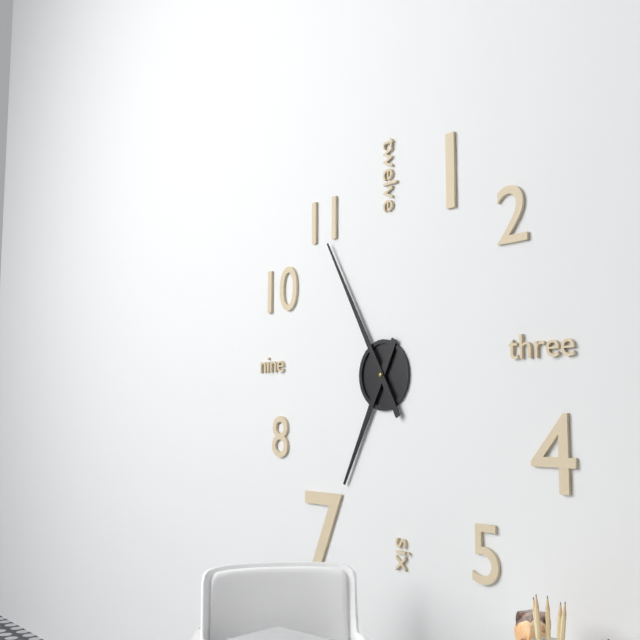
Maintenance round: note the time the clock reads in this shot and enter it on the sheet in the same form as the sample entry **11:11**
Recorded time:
**6:55**
